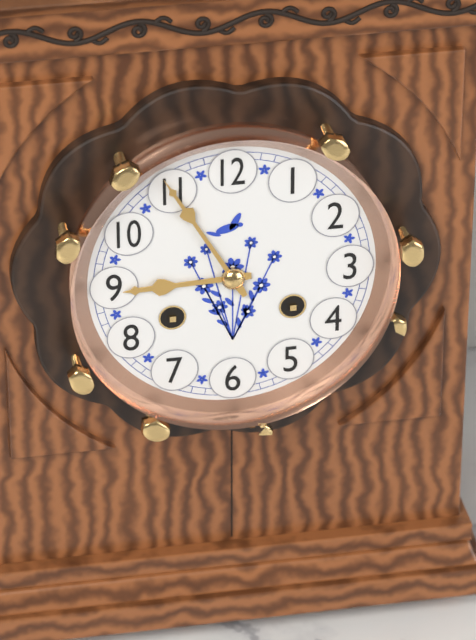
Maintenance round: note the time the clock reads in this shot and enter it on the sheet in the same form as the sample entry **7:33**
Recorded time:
**8:55**
